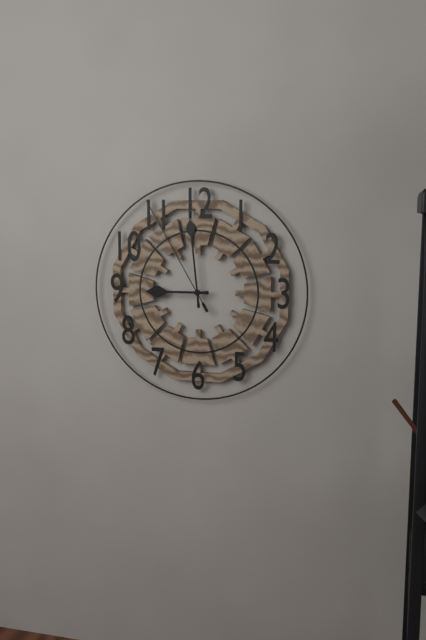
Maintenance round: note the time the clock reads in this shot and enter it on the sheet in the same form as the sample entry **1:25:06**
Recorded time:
**8:59:55**
